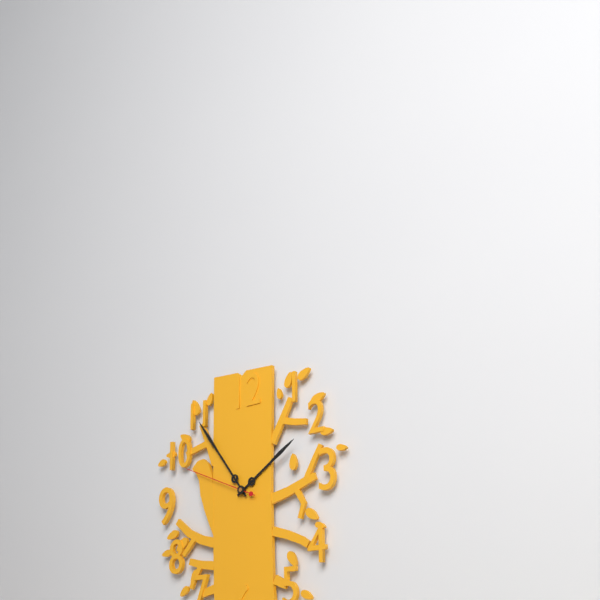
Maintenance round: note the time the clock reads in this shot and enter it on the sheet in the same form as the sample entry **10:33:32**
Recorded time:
**1:54:49**
